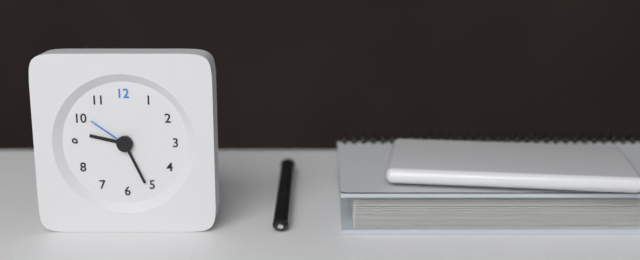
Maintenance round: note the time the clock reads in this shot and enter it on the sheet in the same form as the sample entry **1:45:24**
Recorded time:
**9:26:51**
